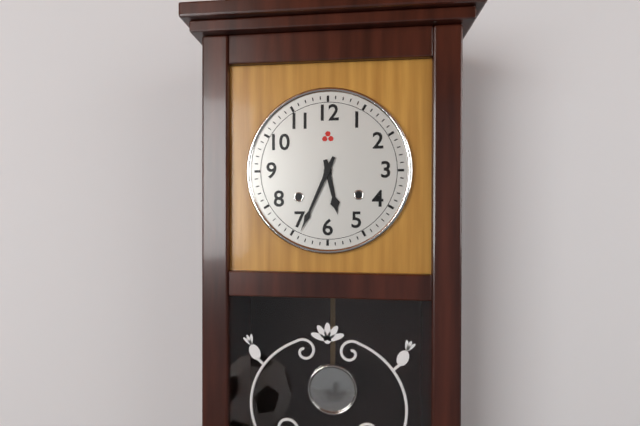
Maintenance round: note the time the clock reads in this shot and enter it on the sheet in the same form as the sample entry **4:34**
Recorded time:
**5:34**
